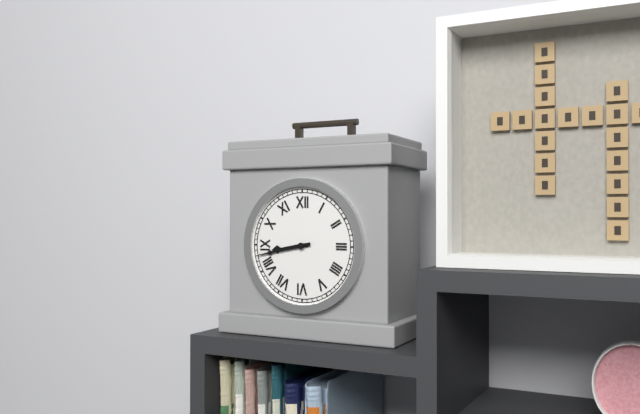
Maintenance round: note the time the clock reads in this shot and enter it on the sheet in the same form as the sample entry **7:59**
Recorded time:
**8:43**
